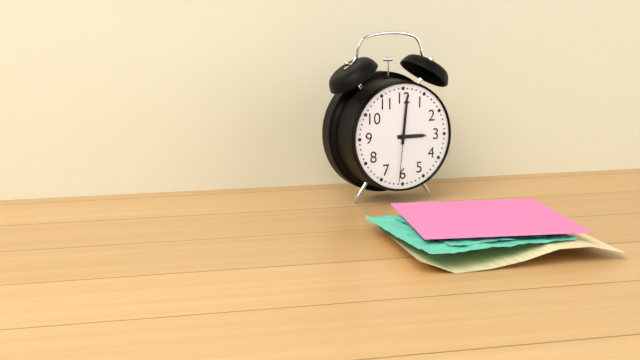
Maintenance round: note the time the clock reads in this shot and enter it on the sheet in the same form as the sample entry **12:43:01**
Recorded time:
**3:01:31**
